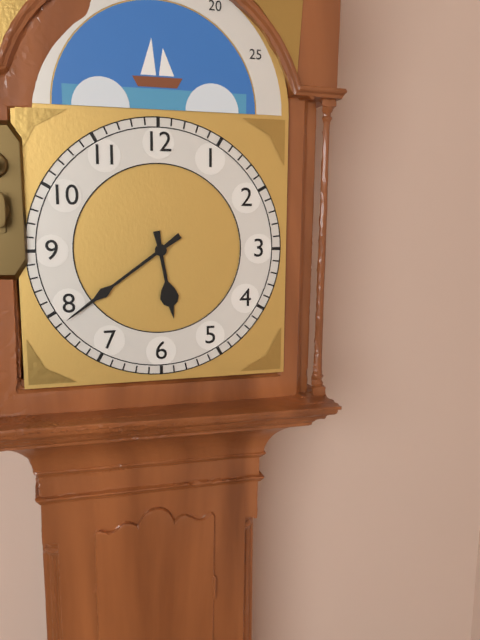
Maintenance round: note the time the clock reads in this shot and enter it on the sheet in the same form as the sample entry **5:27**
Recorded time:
**5:39**
